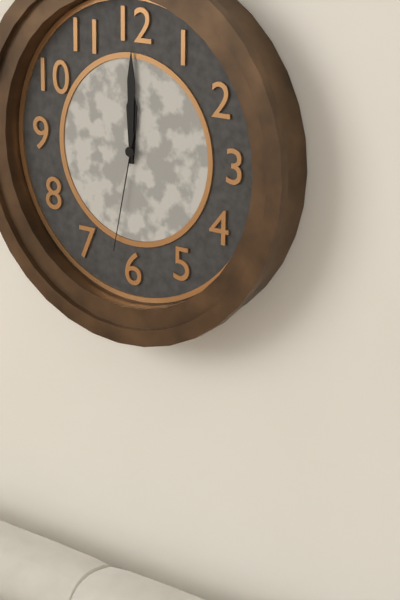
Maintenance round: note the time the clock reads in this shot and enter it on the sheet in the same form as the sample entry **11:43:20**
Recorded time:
**12:00:32**
